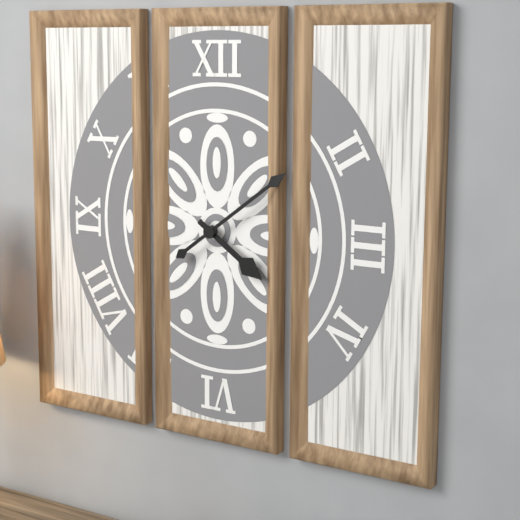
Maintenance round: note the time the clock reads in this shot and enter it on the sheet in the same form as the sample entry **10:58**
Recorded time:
**4:09**
